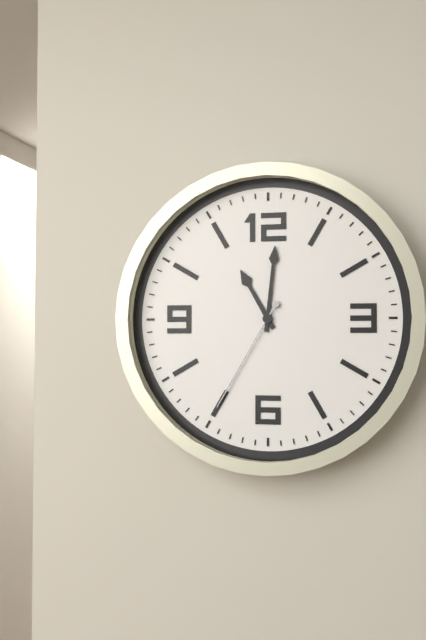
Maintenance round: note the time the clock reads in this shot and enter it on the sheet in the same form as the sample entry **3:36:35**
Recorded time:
**11:01:35**
